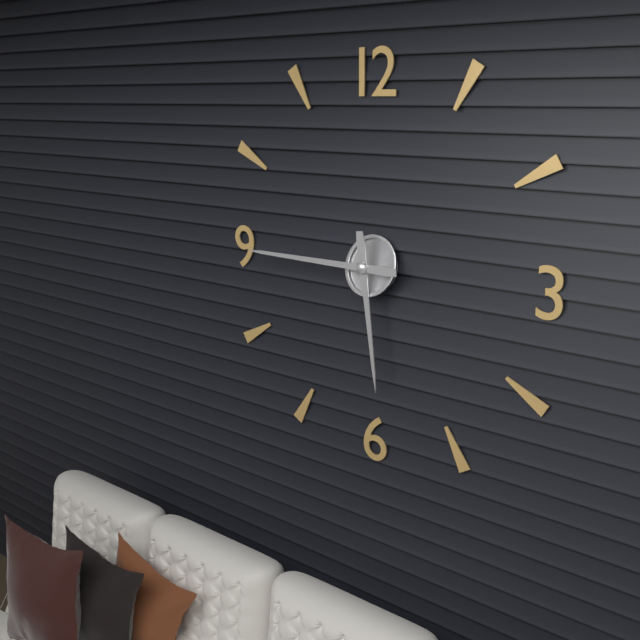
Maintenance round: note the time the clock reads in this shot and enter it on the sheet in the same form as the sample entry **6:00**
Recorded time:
**5:45**
